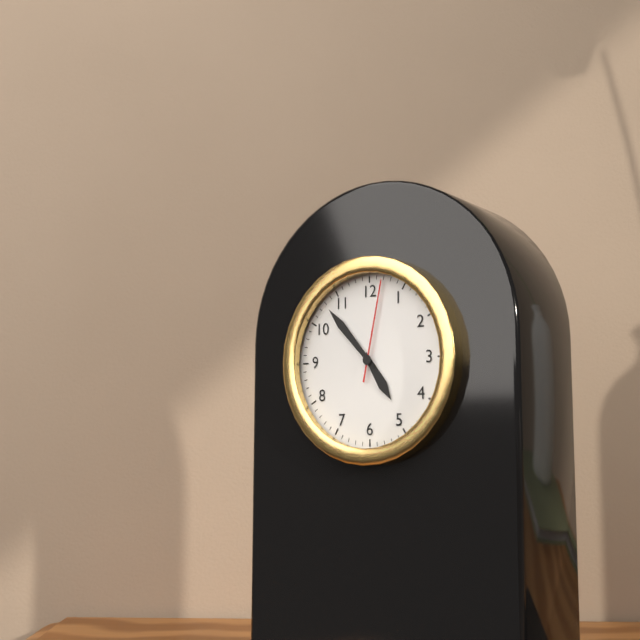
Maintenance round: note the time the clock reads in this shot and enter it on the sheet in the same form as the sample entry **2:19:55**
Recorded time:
**4:53:02**
